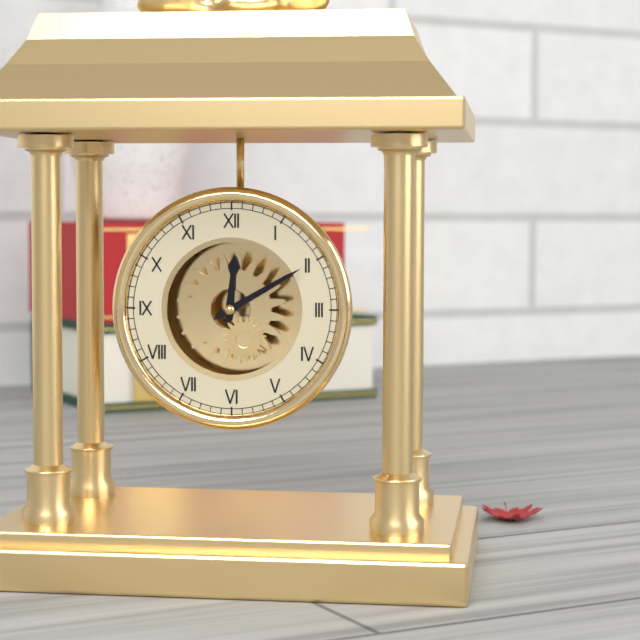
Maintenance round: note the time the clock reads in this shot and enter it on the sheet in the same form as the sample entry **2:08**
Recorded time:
**12:10**
